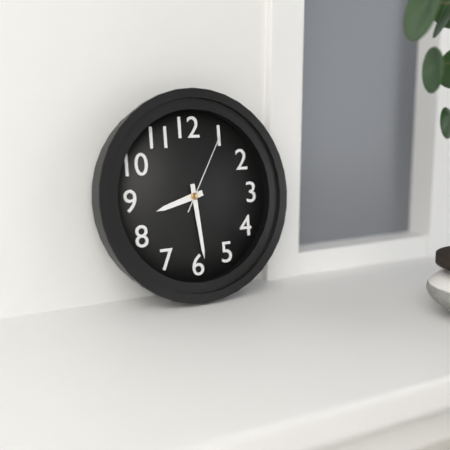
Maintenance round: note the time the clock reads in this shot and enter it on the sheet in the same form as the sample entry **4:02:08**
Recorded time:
**8:29:05**
